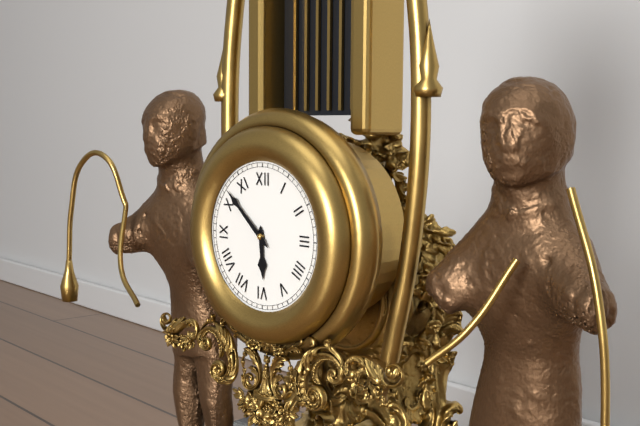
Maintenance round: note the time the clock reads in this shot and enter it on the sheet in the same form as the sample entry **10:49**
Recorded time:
**5:52**
